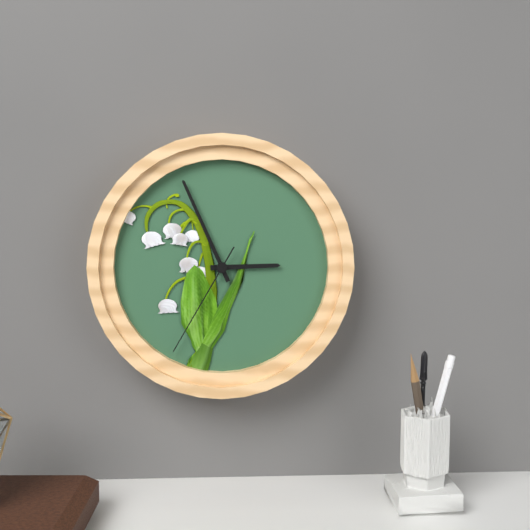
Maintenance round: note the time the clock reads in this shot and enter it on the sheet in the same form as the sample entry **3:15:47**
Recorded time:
**2:56:35**
